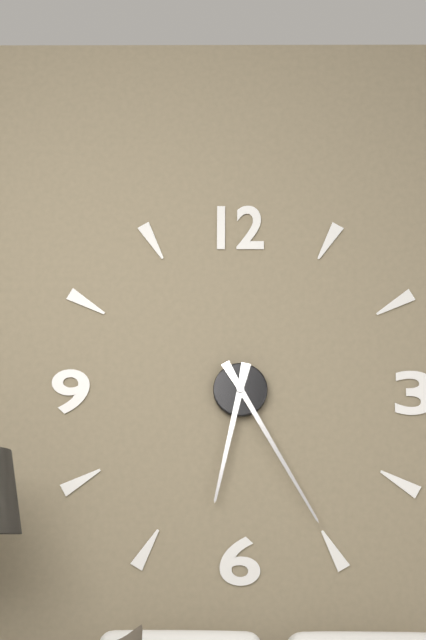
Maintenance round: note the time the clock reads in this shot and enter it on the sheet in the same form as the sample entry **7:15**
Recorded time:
**6:25**
